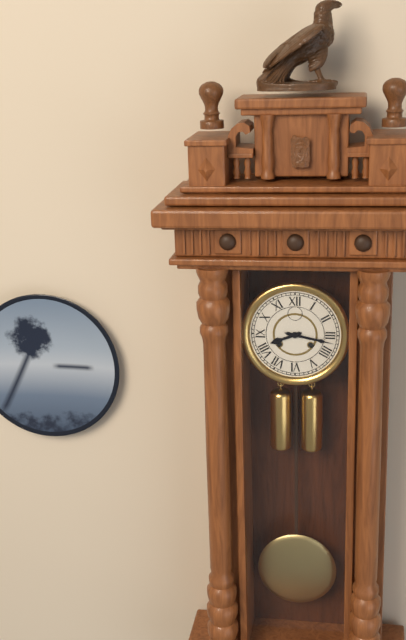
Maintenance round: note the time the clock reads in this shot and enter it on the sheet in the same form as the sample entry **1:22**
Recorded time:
**8:17**
